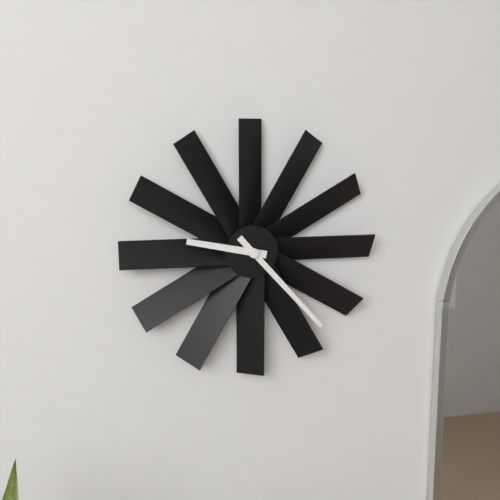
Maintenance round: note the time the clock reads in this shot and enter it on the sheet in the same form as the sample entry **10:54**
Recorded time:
**9:23**
